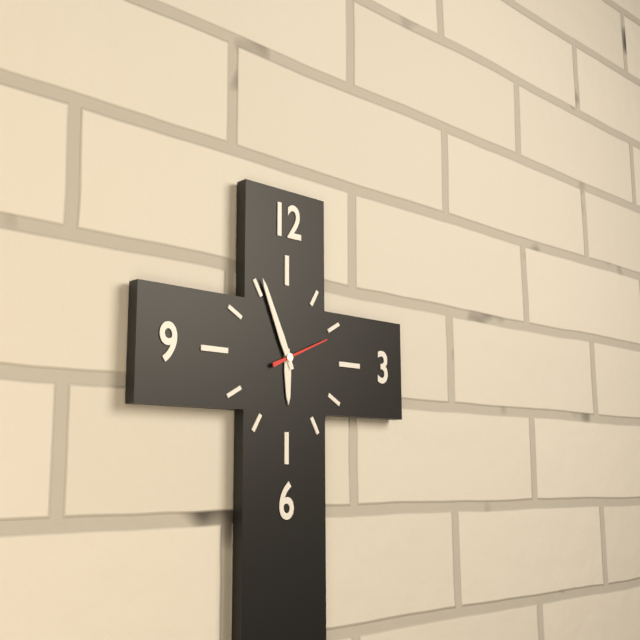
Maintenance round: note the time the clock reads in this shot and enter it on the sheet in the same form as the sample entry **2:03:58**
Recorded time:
**5:56:11**
